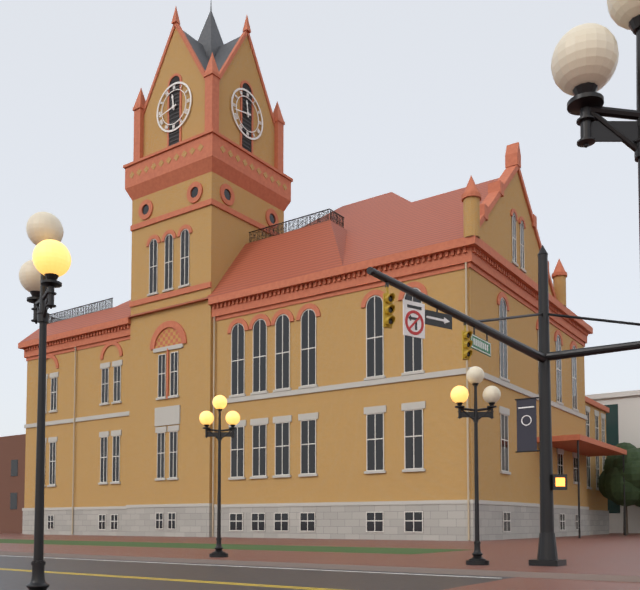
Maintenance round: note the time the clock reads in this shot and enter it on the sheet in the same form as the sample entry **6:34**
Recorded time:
**11:43**
